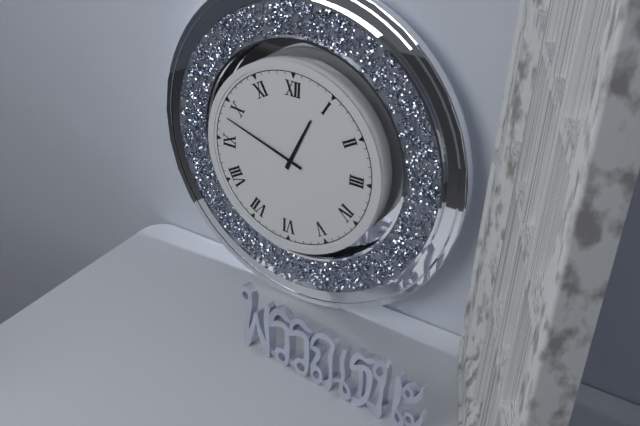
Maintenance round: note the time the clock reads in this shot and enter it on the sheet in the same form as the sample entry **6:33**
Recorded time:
**12:48**
